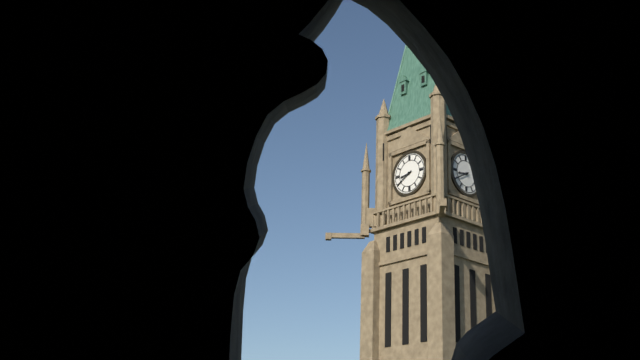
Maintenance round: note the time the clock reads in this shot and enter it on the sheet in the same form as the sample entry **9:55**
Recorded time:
**8:40**
